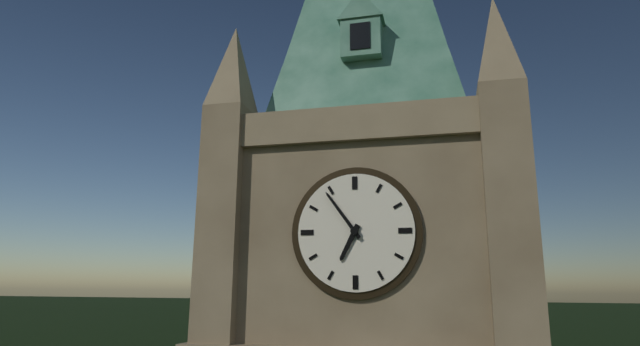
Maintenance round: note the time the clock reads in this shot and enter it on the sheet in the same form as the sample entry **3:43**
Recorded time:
**6:54**
